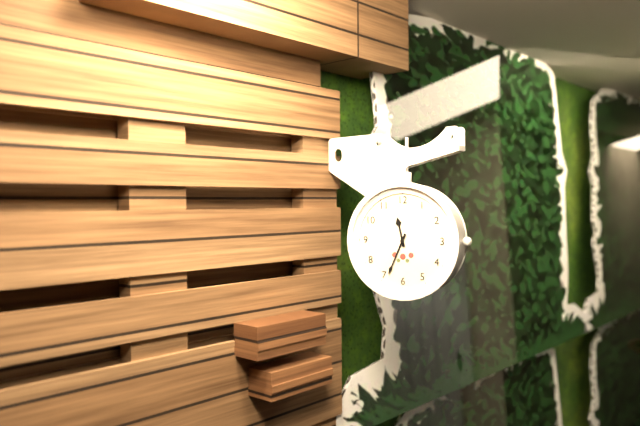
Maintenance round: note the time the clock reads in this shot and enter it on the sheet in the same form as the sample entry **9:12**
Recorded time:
**11:34**
